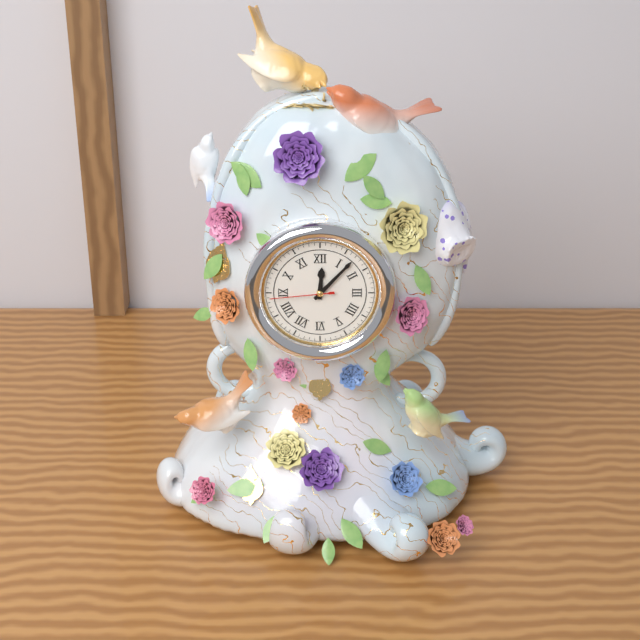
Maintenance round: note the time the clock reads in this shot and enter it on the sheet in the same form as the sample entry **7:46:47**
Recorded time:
**12:07:44**
